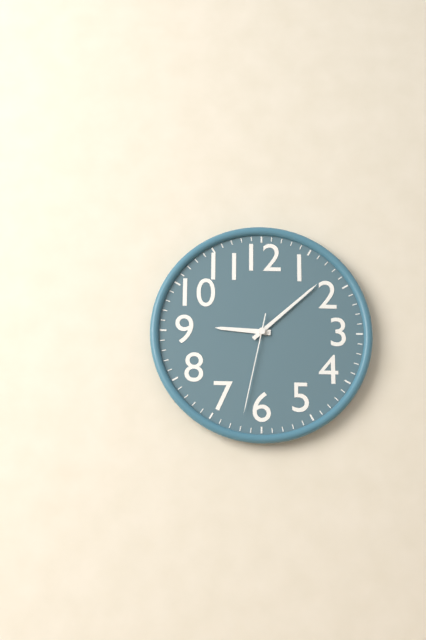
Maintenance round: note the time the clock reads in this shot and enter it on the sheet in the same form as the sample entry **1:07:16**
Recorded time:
**9:08:32**
